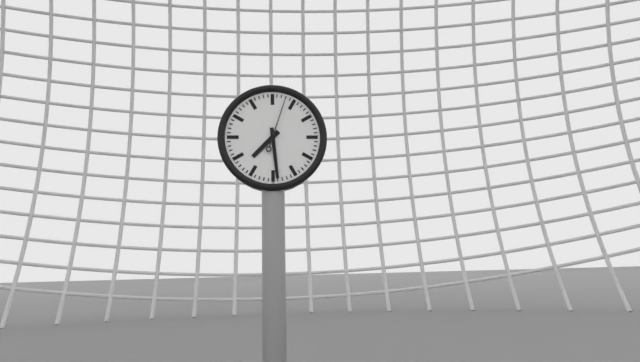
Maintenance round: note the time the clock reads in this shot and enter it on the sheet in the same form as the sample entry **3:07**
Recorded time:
**7:29**
